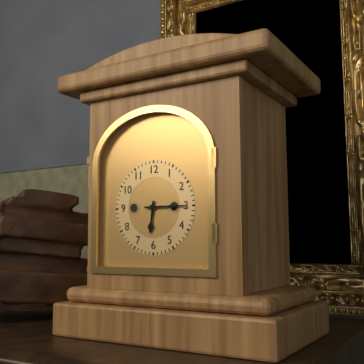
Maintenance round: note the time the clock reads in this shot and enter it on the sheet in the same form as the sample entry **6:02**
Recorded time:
**6:15**
